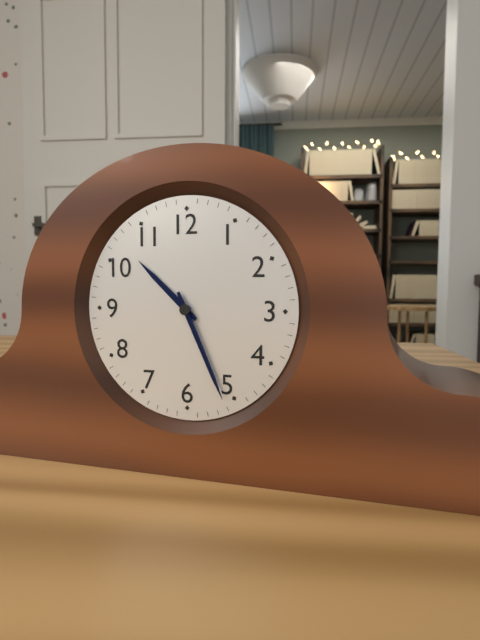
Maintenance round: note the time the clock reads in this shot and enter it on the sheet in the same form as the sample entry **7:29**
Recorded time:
**10:26**
